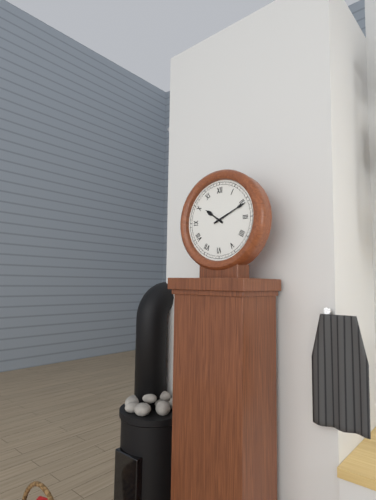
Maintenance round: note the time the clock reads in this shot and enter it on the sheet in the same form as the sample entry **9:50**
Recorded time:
**10:11**
